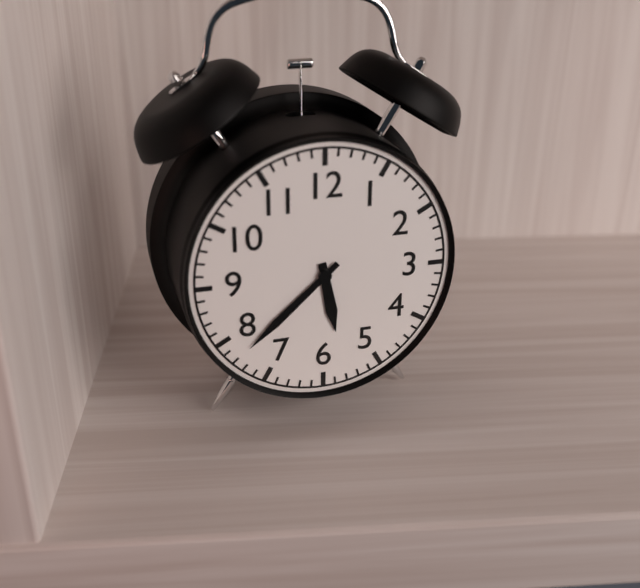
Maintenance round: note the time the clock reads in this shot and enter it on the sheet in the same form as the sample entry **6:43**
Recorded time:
**5:38**
